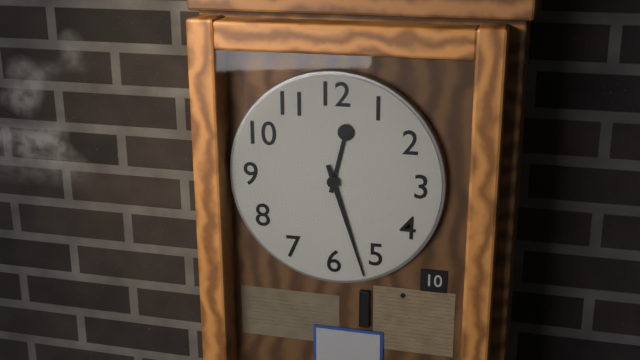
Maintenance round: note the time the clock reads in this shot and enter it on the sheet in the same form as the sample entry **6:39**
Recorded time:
**12:27**
